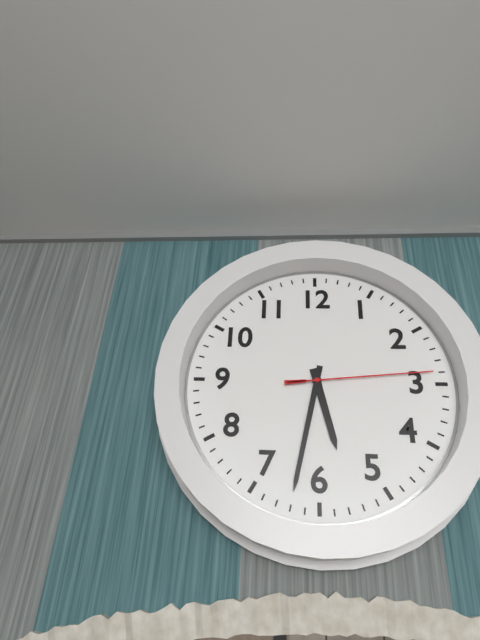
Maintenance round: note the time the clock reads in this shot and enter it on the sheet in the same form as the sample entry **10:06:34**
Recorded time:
**5:32:14**
